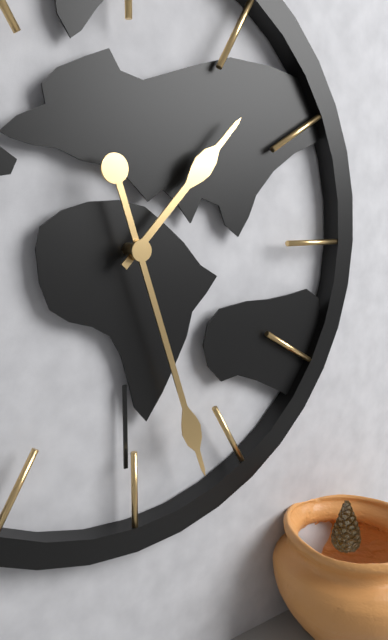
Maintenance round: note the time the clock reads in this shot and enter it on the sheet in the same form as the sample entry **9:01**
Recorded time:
**1:27**
